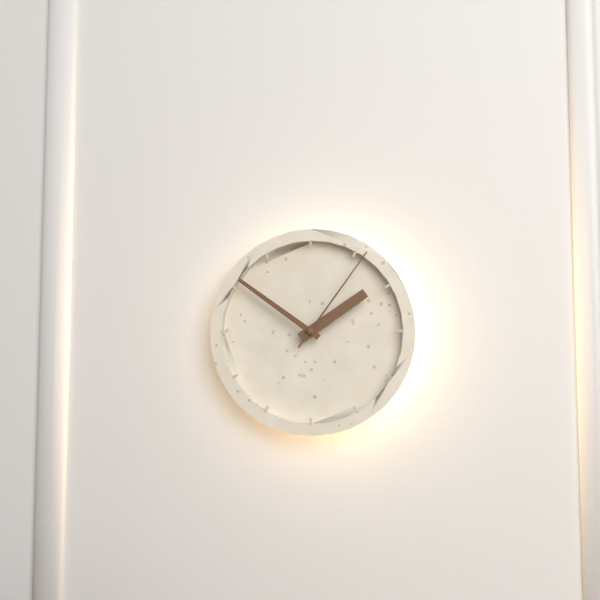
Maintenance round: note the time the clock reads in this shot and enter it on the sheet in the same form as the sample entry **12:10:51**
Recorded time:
**1:51:06**
